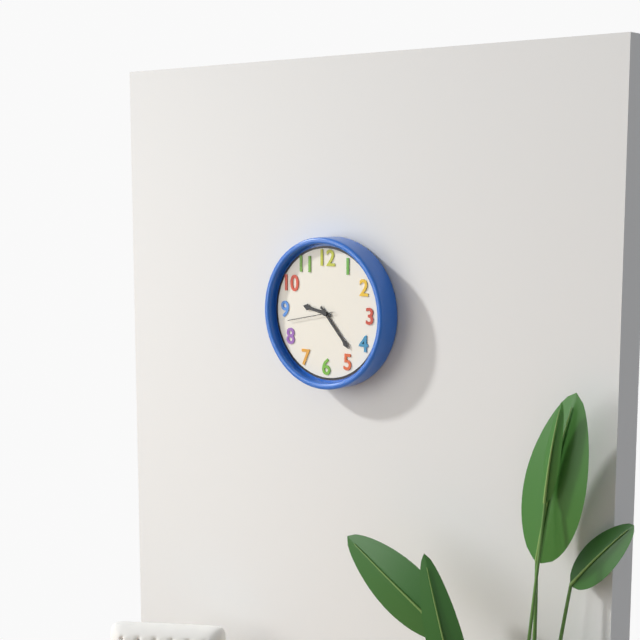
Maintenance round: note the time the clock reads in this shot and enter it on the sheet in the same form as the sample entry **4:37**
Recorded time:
**9:23**
